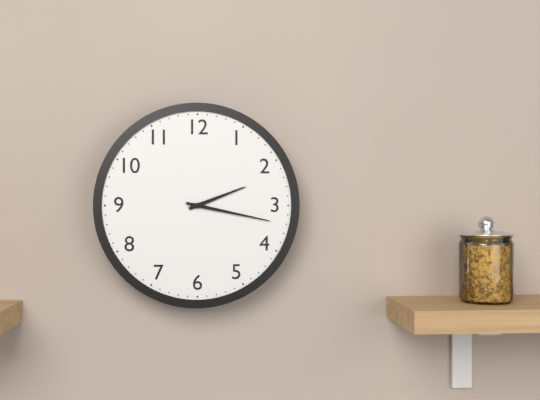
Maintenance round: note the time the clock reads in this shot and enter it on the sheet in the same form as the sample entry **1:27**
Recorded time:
**2:17**
